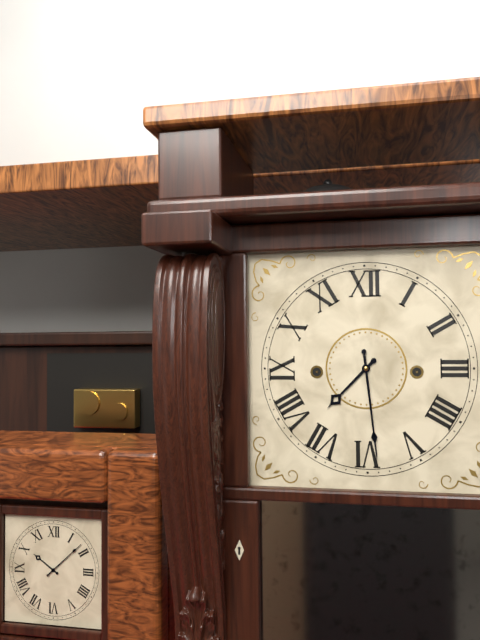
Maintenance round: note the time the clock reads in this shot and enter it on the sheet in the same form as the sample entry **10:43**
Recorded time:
**7:29**
